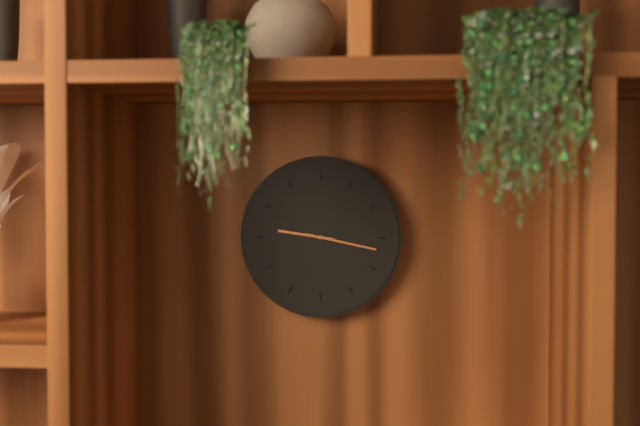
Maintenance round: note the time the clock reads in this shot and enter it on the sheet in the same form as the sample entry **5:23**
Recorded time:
**9:17**
